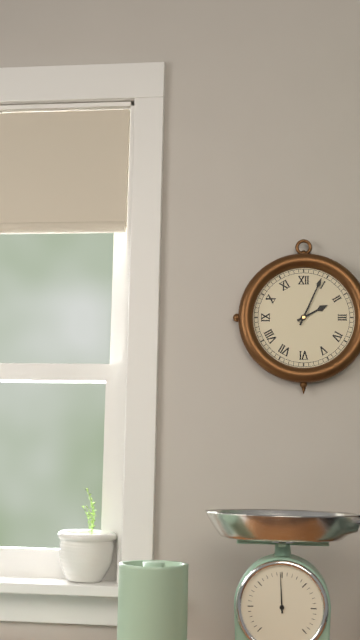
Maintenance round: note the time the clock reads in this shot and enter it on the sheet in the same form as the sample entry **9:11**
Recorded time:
**2:04**
